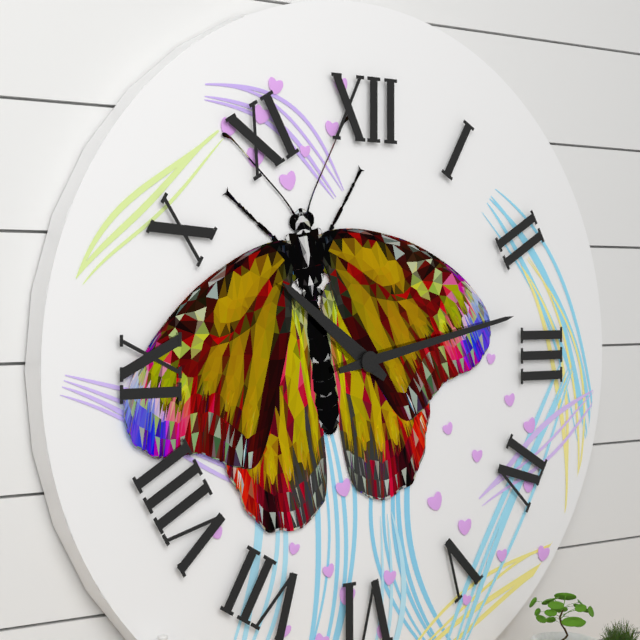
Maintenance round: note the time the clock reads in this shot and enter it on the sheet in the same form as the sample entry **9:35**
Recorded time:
**10:13**
